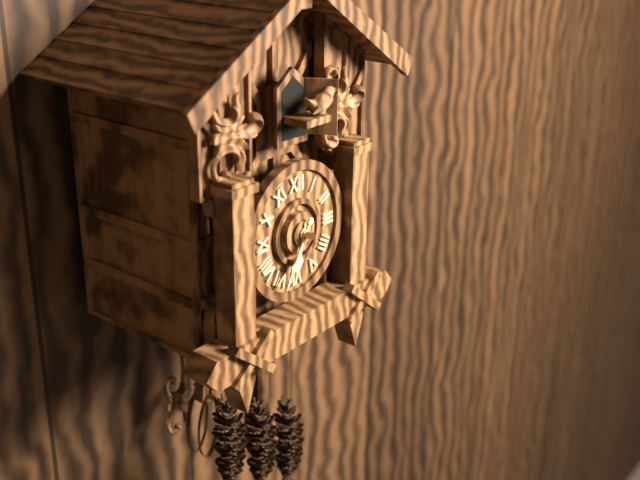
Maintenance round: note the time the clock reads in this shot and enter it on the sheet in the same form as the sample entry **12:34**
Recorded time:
**6:35**
